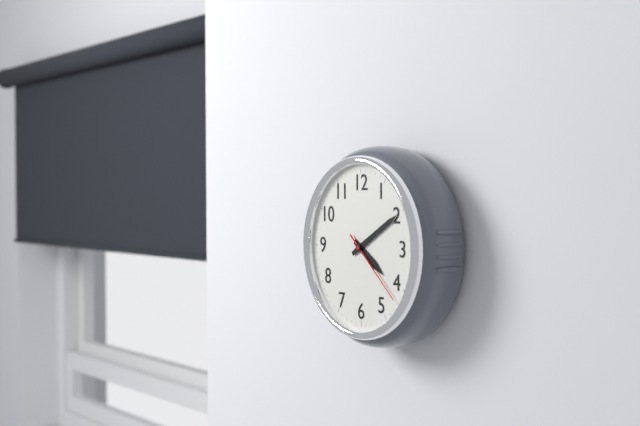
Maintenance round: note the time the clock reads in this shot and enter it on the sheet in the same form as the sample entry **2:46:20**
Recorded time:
**4:10:22**
